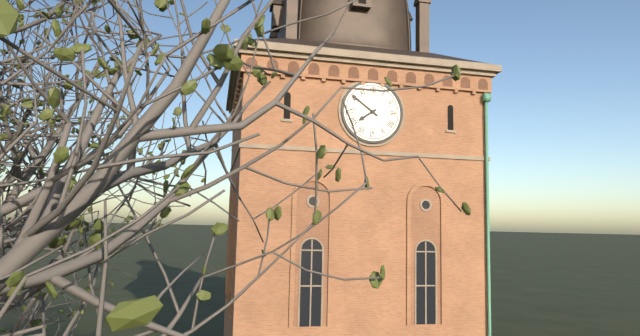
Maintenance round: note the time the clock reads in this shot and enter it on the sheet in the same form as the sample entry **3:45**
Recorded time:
**7:51**
